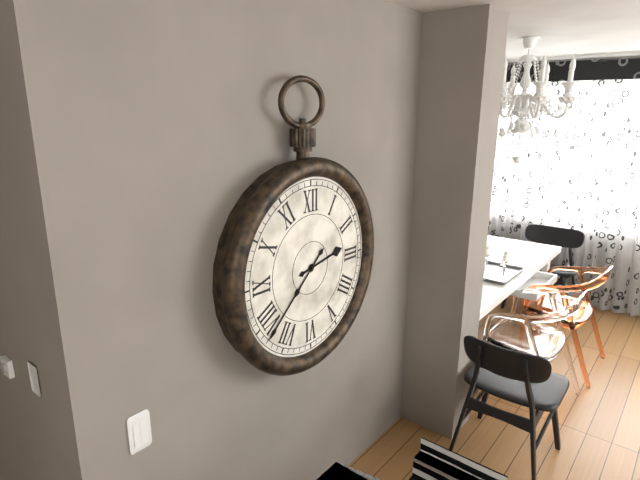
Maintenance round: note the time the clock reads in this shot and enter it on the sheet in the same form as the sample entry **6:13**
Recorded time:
**2:38**
